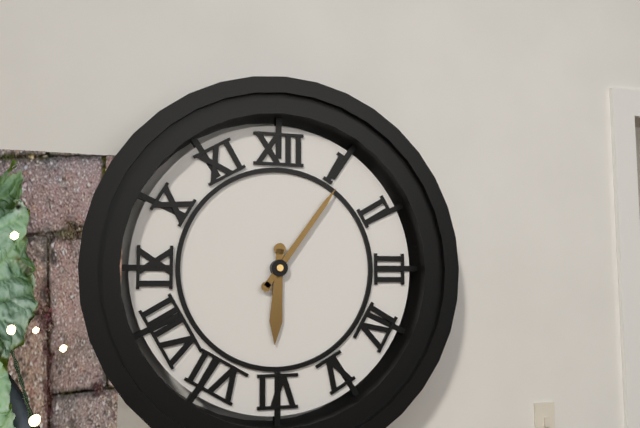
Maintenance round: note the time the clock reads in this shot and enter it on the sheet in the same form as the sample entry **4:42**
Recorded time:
**6:06**
